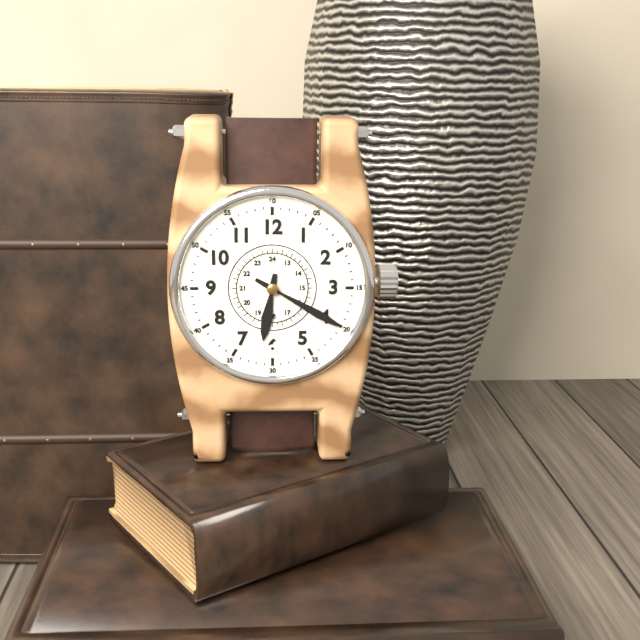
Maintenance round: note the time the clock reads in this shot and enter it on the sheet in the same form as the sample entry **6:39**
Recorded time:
**6:20**
